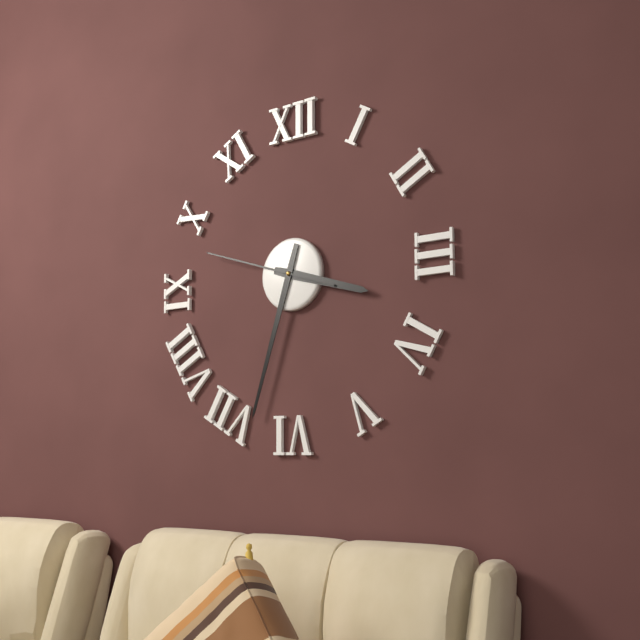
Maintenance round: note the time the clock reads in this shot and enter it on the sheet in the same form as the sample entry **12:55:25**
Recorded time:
**3:33:48**
